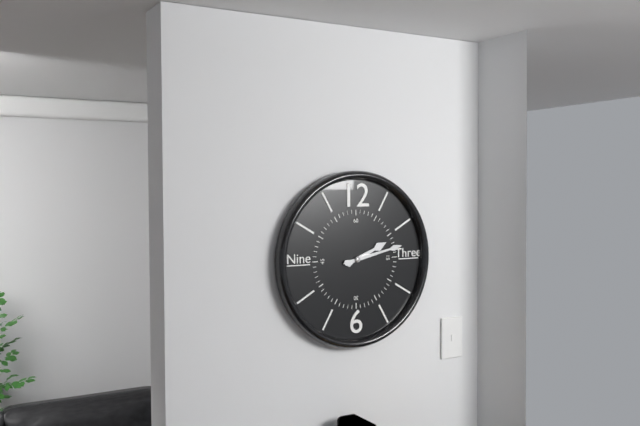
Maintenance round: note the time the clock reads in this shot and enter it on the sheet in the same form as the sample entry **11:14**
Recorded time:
**2:13**
